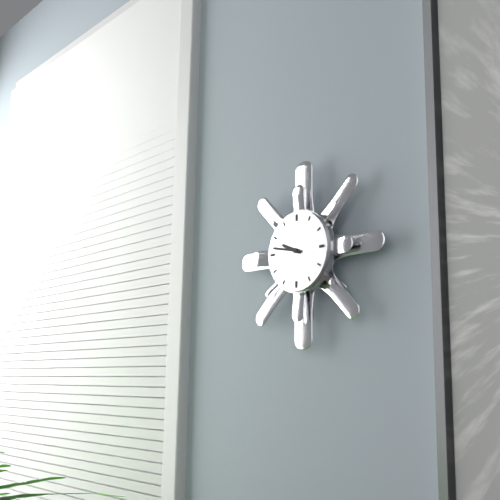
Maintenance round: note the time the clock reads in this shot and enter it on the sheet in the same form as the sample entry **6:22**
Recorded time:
**9:47**
